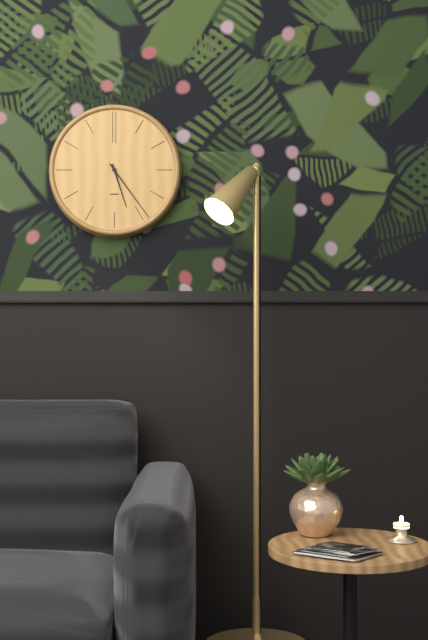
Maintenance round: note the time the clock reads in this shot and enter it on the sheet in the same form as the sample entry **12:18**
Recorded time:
**5:24**
